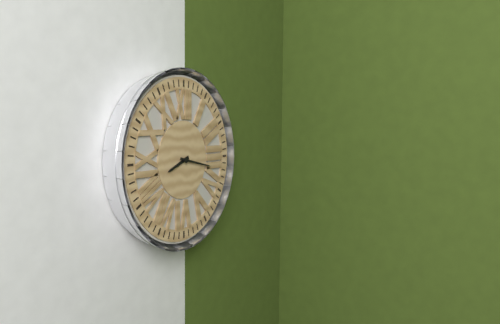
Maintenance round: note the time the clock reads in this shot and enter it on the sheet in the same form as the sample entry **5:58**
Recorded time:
**8:17**
